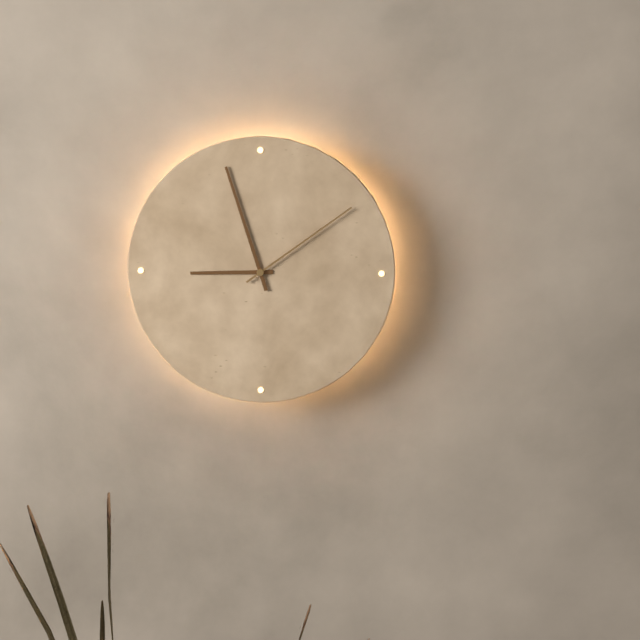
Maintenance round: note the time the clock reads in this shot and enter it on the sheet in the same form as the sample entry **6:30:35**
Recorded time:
**8:57:09**
